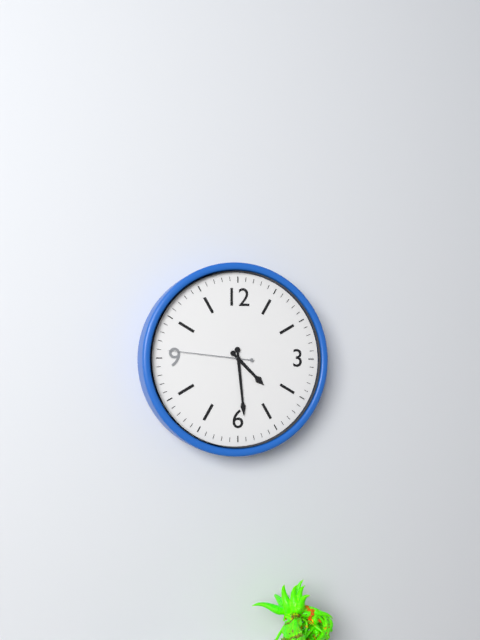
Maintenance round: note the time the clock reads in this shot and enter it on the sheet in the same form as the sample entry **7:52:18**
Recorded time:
**4:29:46**
